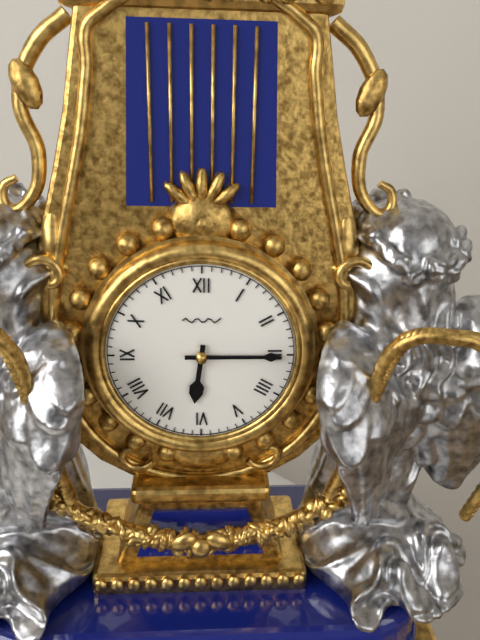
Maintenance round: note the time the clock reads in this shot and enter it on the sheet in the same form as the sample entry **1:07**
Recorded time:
**6:15**
